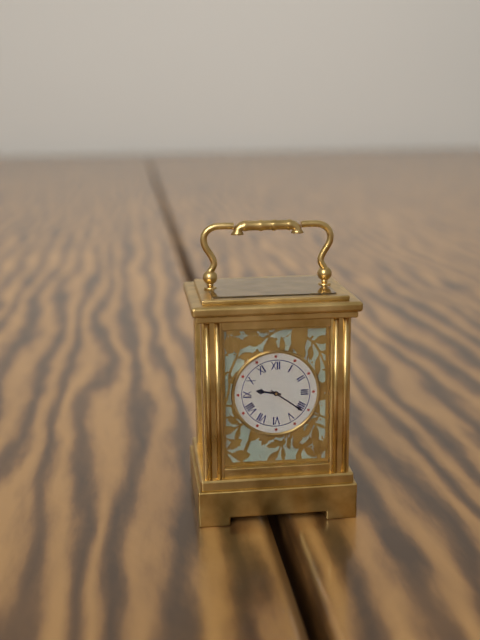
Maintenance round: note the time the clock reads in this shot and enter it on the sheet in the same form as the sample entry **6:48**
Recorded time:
**9:21**
